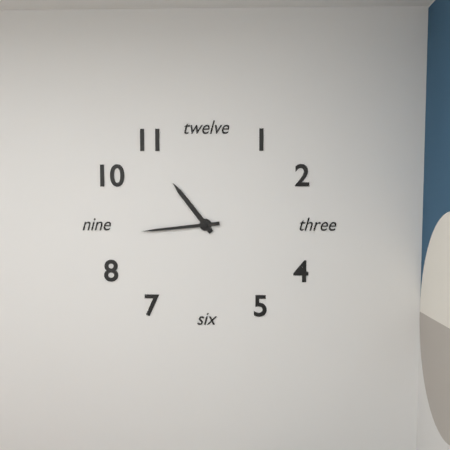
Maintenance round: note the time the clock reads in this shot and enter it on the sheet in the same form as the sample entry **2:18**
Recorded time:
**10:44**
